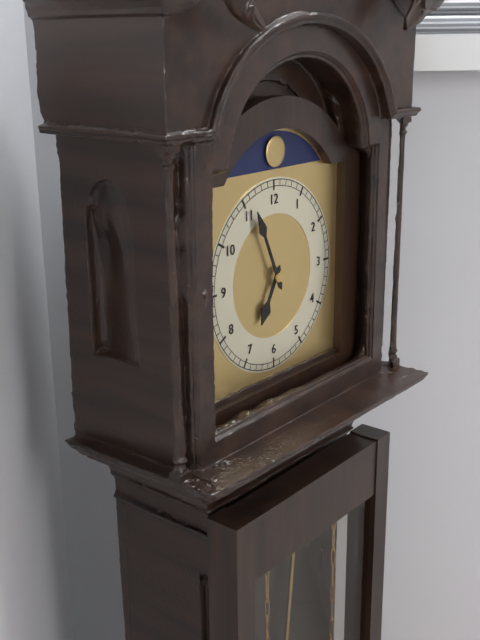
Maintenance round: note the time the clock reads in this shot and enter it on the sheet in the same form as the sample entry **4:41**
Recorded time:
**6:56**
